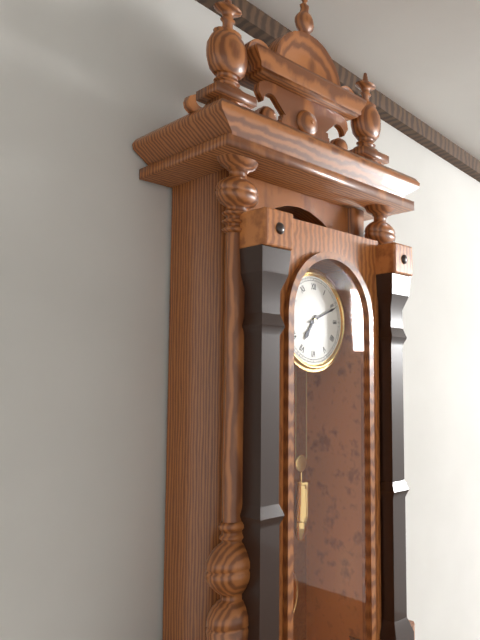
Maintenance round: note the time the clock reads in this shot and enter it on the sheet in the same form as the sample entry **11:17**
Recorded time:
**7:11**
